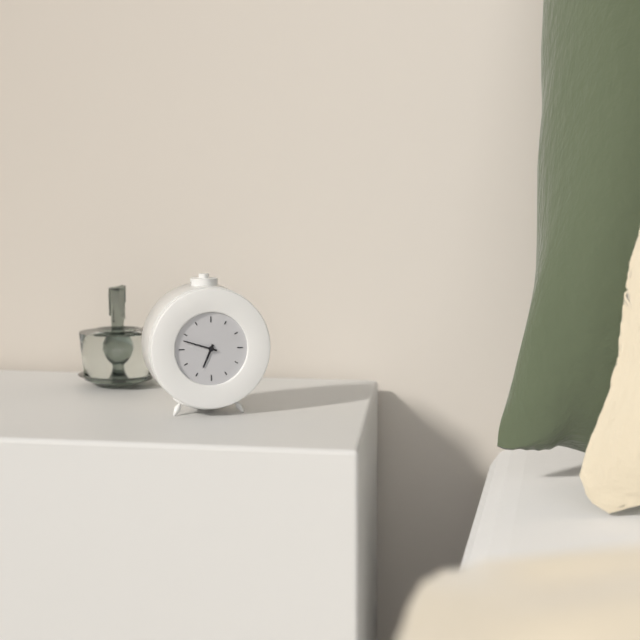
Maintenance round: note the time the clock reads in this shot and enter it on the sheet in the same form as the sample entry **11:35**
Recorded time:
**6:48**
